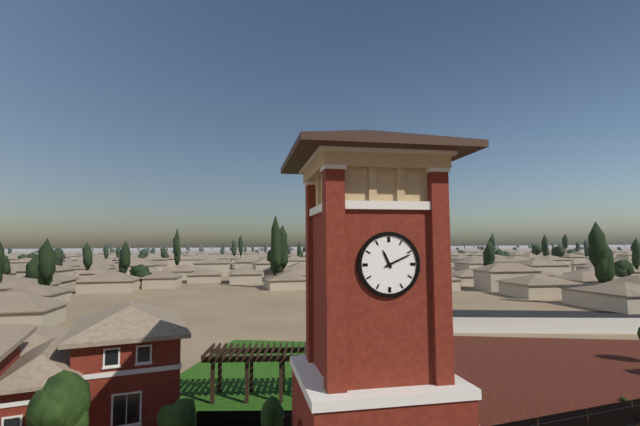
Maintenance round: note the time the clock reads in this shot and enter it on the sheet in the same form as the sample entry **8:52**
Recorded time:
**11:11**
